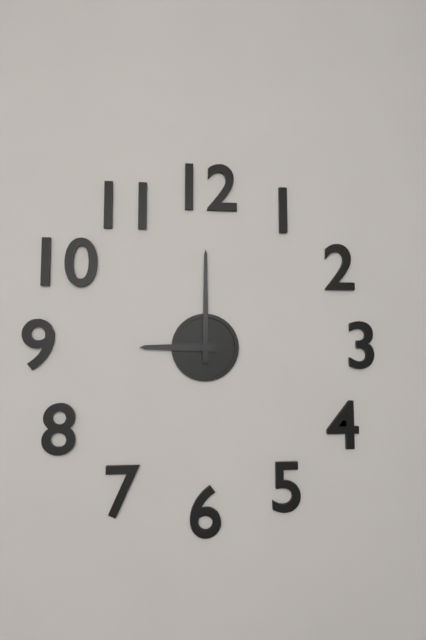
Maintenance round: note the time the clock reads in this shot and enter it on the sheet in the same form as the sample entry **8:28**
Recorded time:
**9:00**
